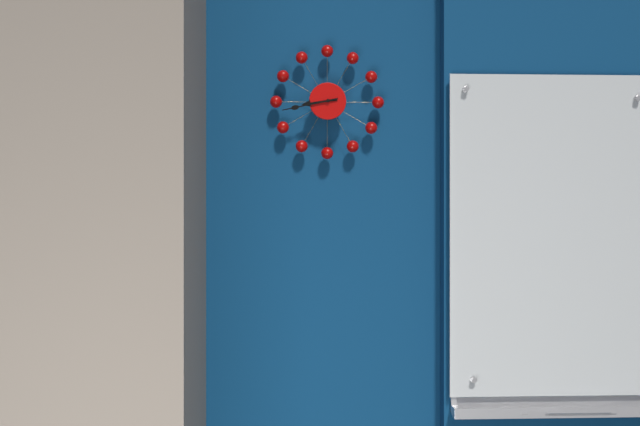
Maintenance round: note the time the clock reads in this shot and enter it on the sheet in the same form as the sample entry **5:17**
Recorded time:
**8:43**
